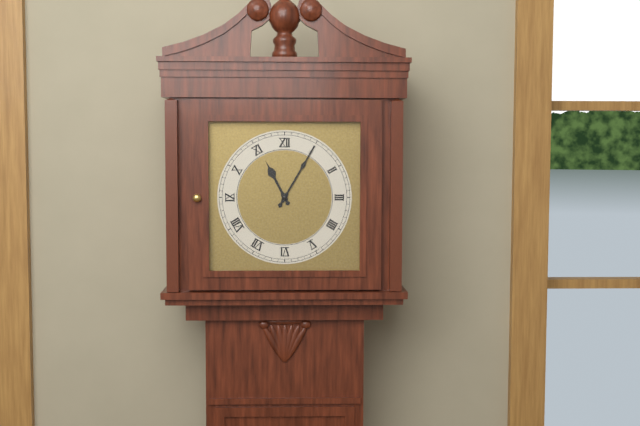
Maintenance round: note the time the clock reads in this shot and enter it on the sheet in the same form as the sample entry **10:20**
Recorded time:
**11:05**
